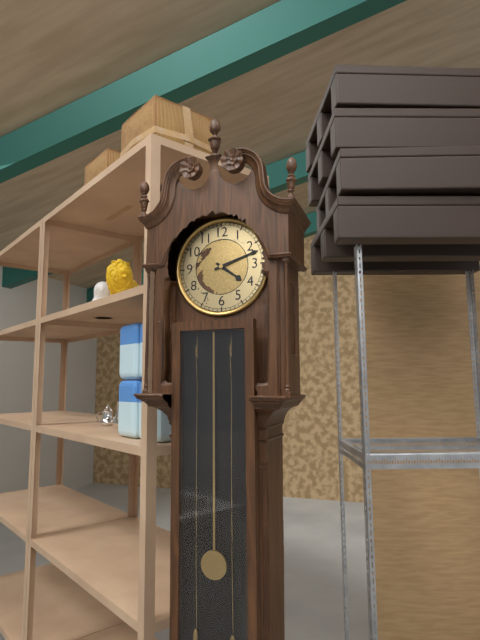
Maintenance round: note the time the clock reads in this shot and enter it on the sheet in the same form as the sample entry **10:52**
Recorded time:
**4:12**
